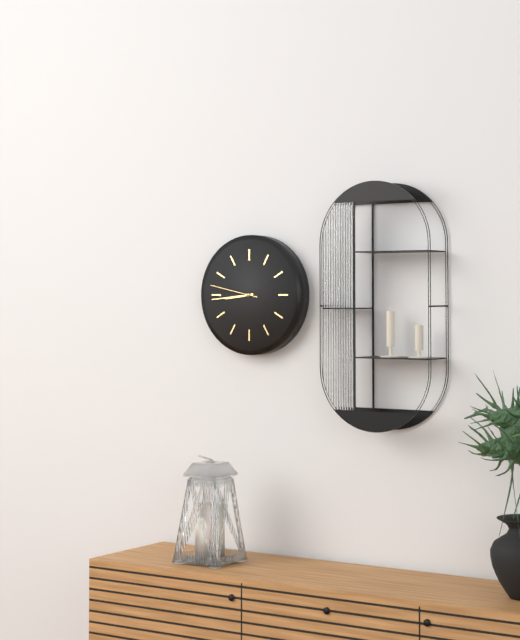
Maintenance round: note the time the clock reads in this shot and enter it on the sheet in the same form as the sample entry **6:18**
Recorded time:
**8:44**
